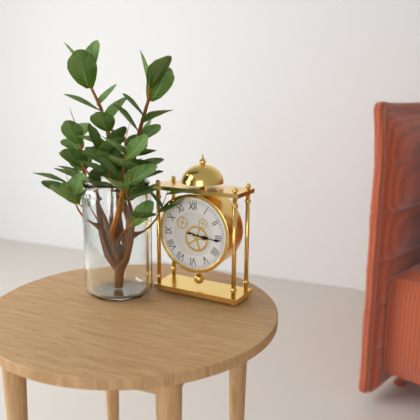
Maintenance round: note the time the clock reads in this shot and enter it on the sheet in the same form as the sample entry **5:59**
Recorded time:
**3:16**
